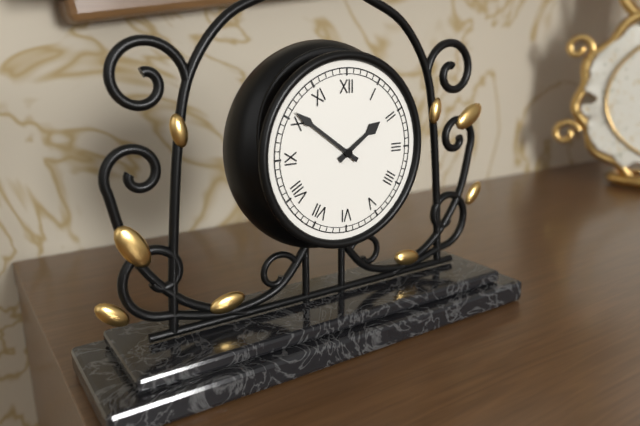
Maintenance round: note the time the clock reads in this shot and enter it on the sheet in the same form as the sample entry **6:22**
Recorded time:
**1:51**
